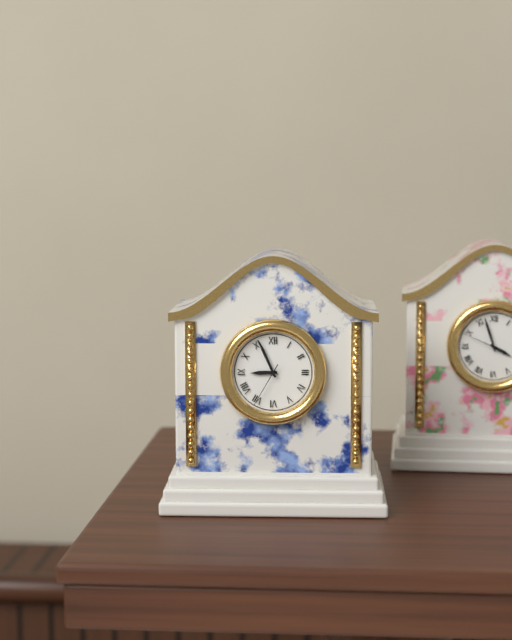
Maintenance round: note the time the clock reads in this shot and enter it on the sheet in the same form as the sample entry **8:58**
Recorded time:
**8:56**
